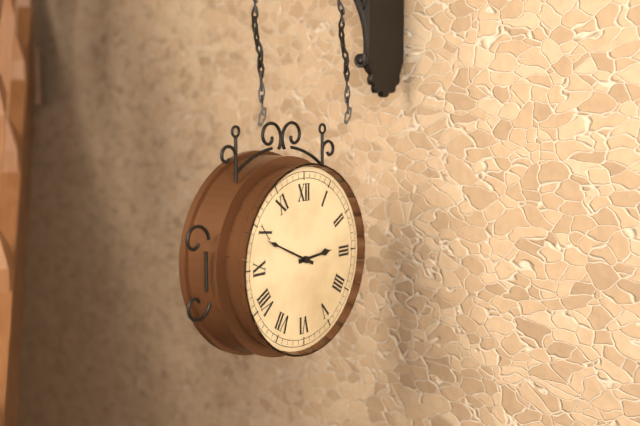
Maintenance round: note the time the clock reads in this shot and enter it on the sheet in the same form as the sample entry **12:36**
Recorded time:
**2:49**
